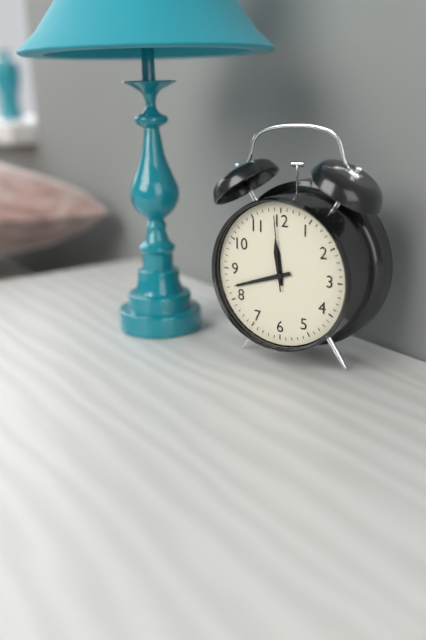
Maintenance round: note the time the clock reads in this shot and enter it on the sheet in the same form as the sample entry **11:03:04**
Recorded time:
**11:42:59**
